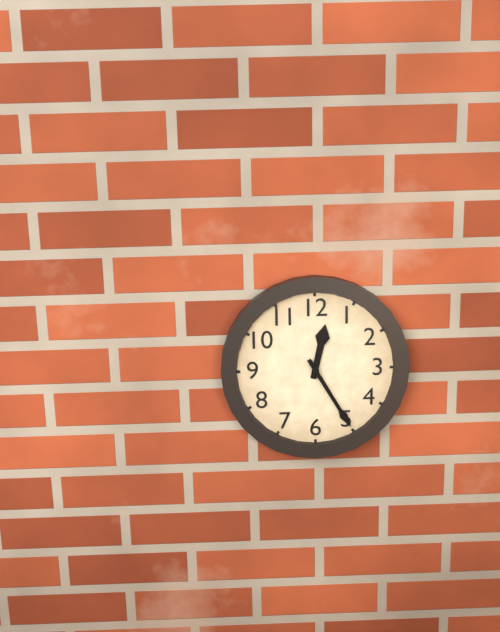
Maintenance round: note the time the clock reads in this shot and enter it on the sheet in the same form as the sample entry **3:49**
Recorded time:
**12:25**
